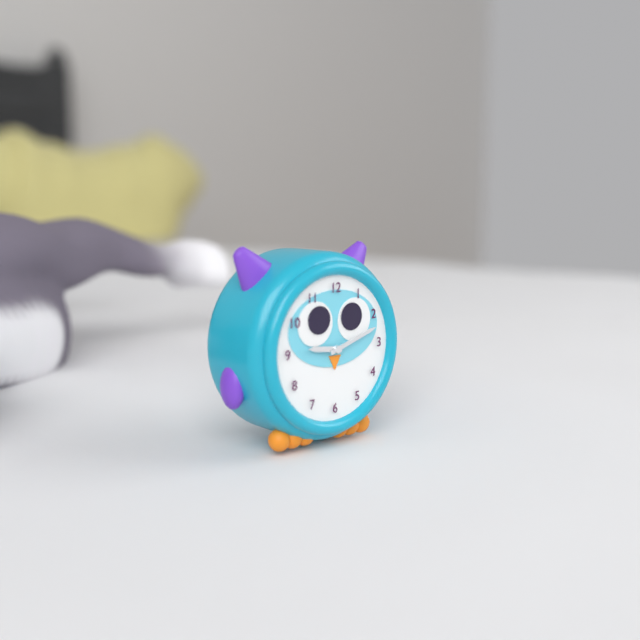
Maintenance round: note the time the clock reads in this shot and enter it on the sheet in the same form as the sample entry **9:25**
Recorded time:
**9:12**
